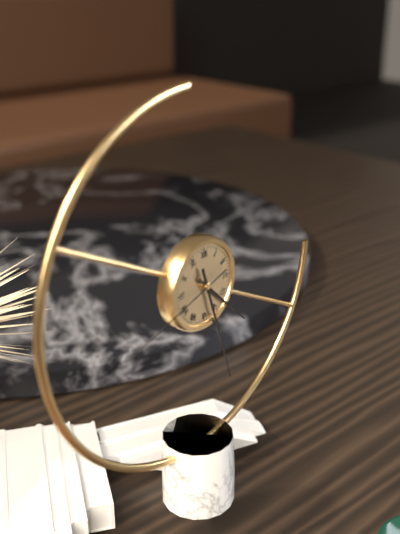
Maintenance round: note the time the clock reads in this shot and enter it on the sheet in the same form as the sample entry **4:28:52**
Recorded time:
**4:27:42**
